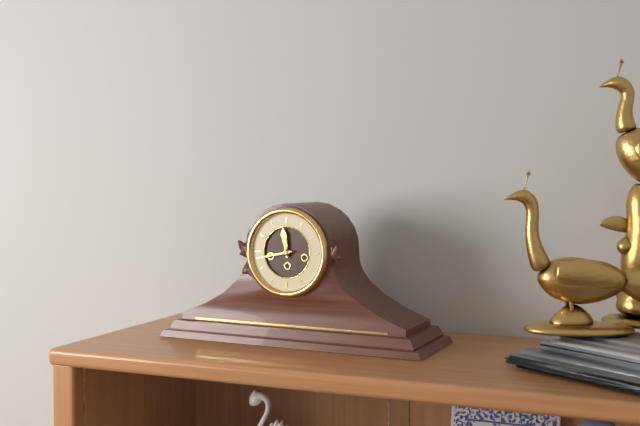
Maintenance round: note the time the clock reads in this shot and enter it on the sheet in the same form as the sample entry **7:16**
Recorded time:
**11:43**
